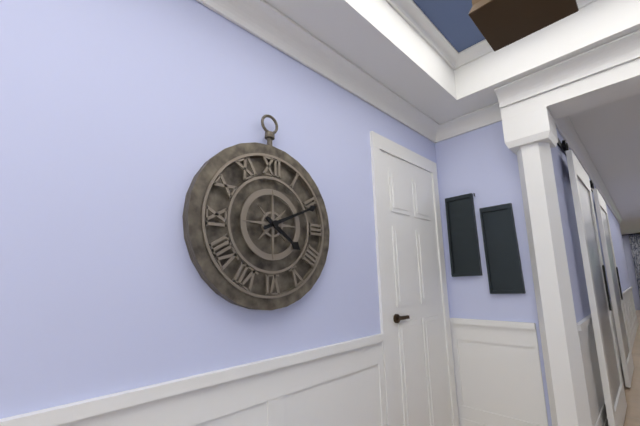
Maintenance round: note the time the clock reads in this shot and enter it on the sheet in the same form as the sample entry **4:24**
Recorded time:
**4:11**
